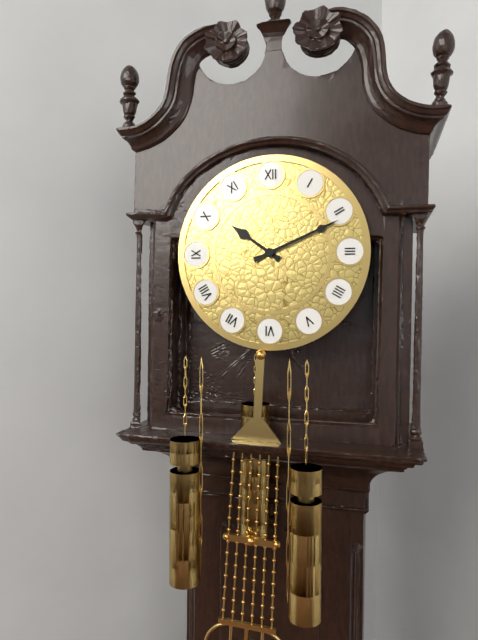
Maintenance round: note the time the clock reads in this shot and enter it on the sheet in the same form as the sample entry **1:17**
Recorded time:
**10:11**
